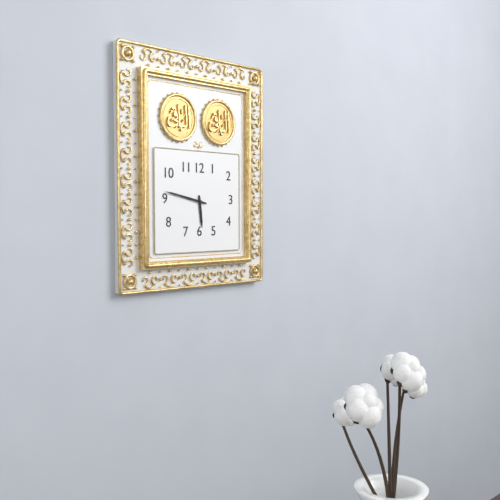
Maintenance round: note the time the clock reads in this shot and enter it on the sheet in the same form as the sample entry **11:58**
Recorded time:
**5:47**
